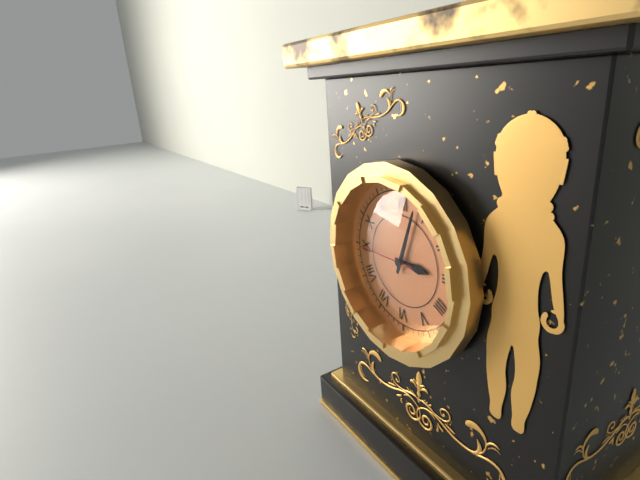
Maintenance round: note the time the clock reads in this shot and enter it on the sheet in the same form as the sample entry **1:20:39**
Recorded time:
**3:03:45**
